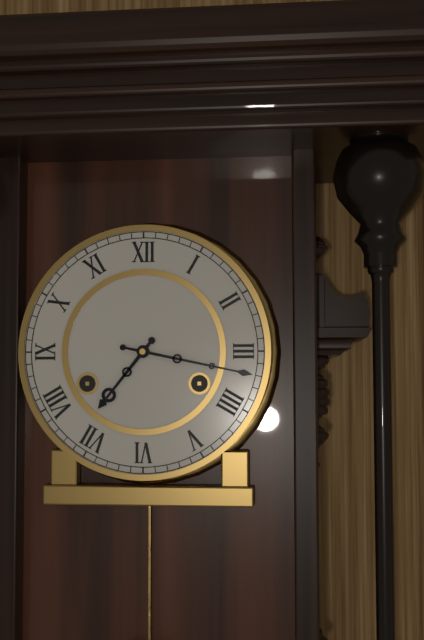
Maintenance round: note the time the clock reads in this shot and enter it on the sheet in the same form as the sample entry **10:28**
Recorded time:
**7:17**
